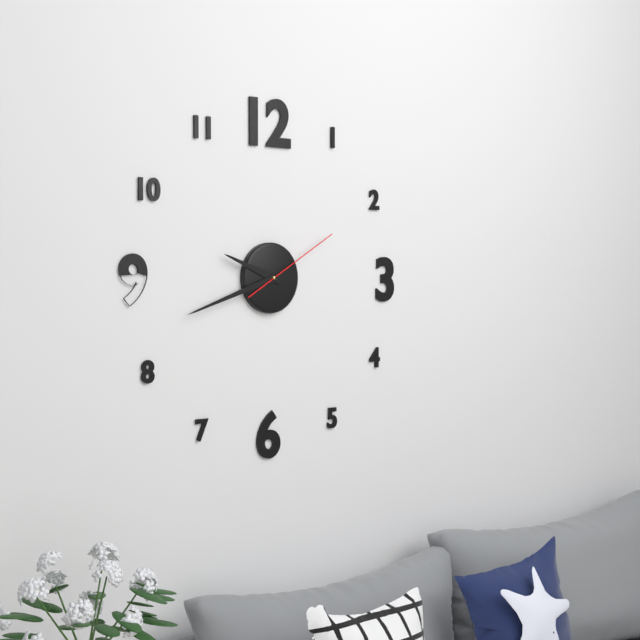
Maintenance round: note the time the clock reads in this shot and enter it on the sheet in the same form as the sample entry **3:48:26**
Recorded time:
**9:42:10**
